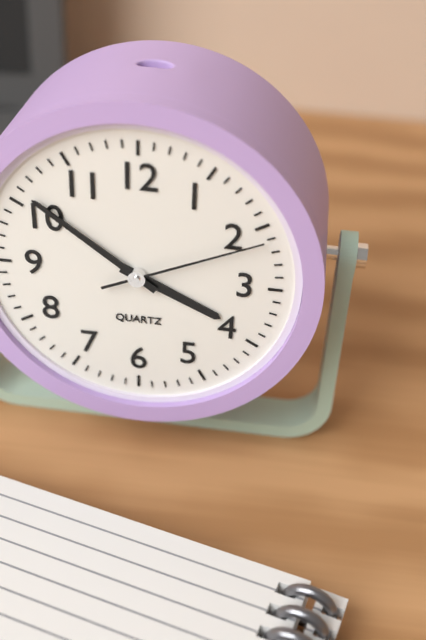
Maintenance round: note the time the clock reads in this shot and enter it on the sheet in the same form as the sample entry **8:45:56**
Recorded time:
**3:51:11**
